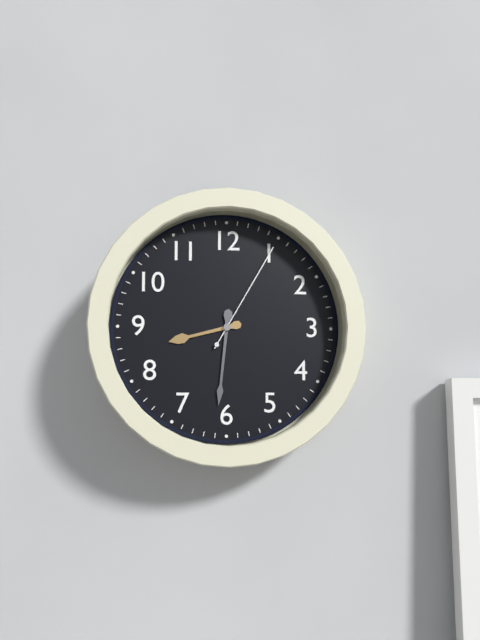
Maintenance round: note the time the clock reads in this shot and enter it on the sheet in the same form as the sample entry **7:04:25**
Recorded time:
**8:31:05**
